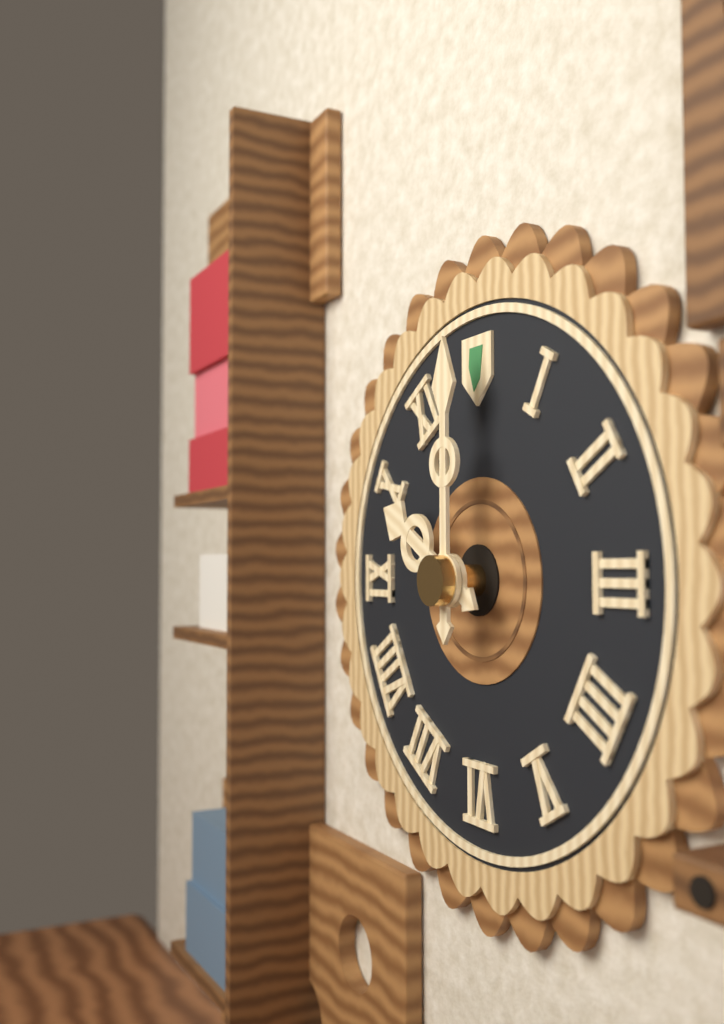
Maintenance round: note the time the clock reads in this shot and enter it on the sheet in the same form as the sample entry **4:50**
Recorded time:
**10:00**
